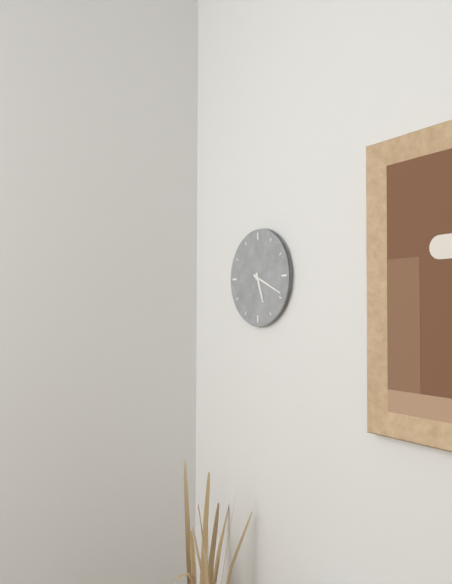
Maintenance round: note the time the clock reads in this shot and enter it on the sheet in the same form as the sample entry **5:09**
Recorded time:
**5:19**
